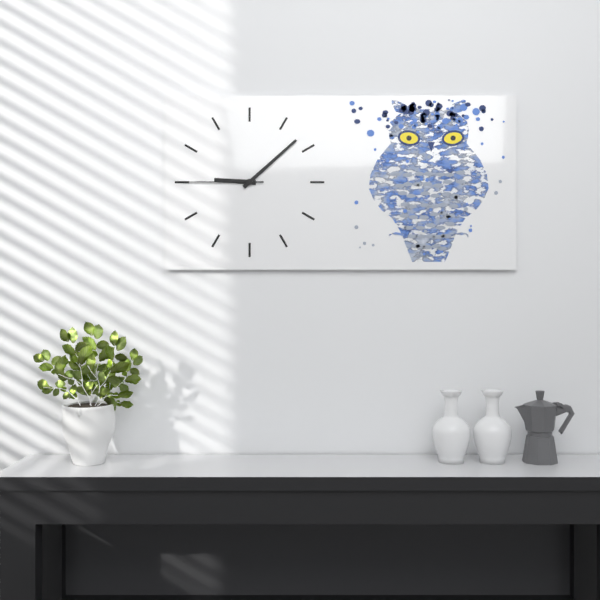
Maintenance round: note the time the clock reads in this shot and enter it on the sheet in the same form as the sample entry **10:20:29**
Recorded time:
**9:08:45**
